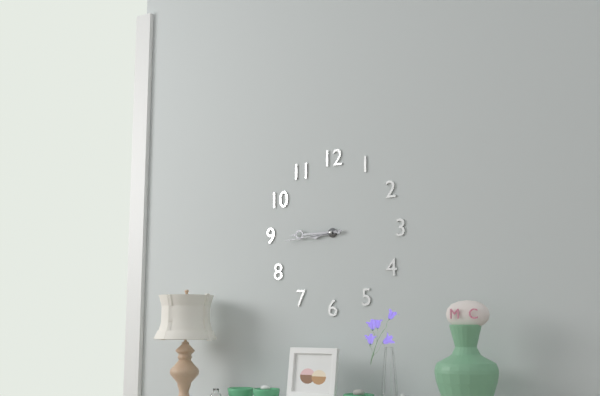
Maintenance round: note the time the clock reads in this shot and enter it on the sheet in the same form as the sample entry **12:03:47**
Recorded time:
**8:45:44**
